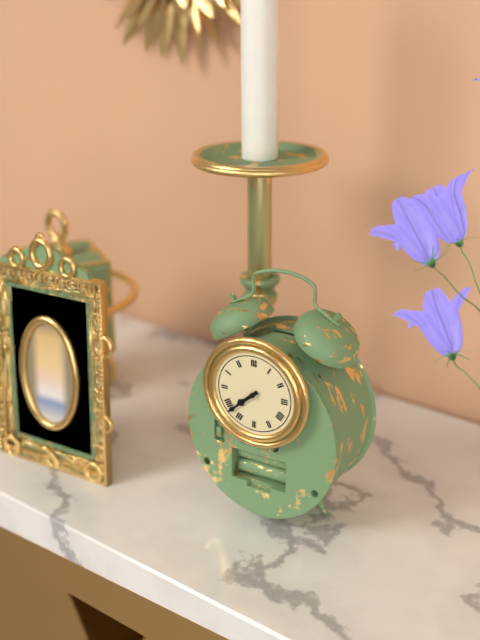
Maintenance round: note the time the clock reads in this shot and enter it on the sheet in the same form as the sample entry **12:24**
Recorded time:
**7:38**
